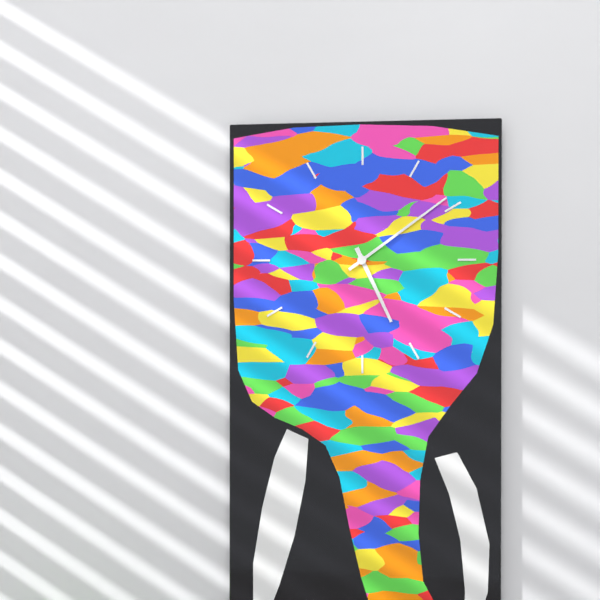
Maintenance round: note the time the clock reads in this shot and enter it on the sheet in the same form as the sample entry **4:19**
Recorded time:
**5:09**
